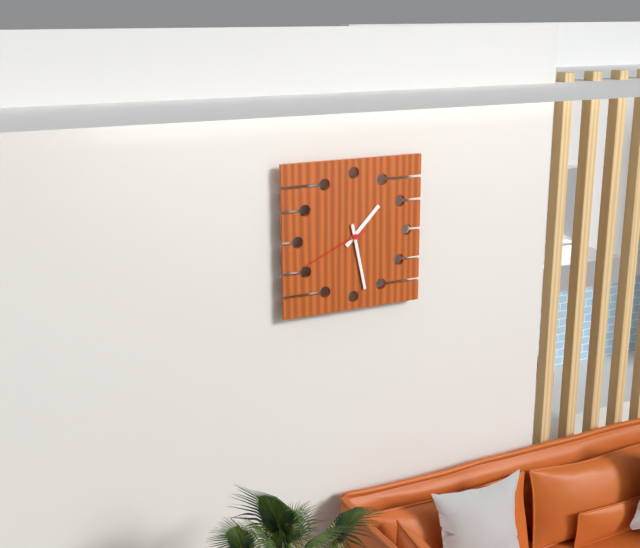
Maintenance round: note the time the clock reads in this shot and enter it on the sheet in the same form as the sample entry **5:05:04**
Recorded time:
**1:28:41**
